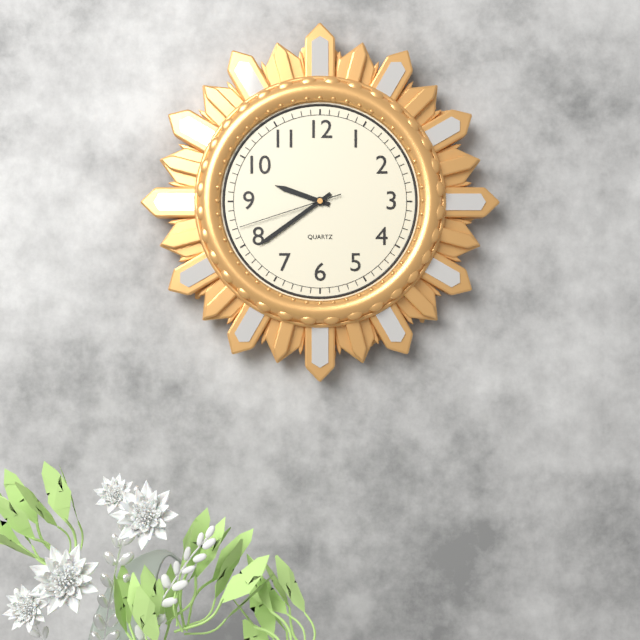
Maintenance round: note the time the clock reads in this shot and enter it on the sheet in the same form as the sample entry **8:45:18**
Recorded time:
**9:39:42**
